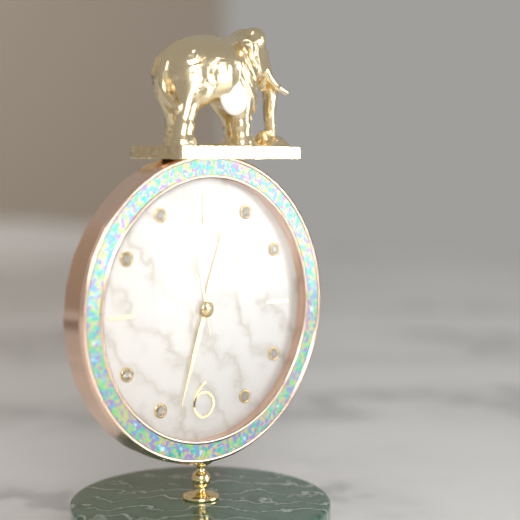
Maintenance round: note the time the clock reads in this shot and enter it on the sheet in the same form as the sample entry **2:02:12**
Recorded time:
**12:33:58**
